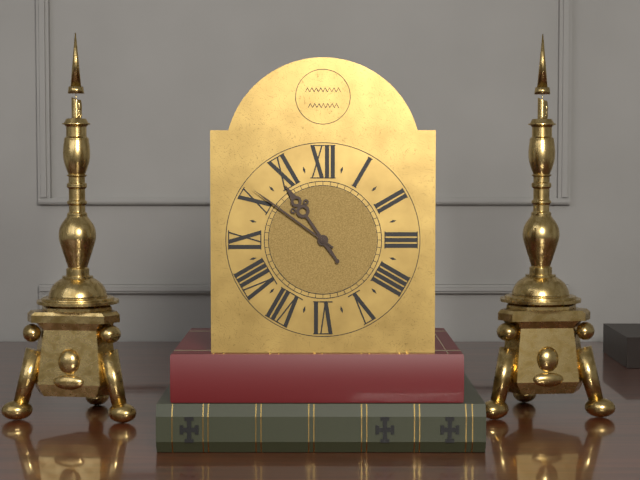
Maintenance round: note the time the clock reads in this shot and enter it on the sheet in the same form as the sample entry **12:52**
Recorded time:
**10:51**
